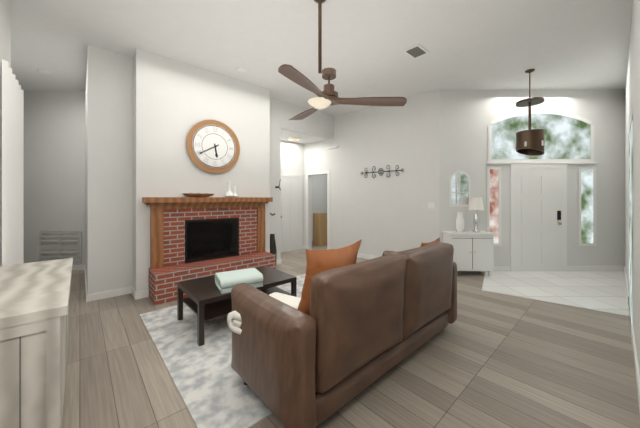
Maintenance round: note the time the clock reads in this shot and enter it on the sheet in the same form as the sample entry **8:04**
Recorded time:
**5:40**
